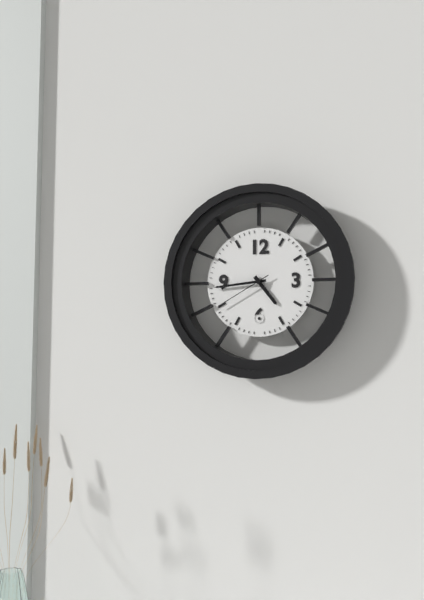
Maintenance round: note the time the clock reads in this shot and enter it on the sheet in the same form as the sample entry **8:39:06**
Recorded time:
**4:44:40**
